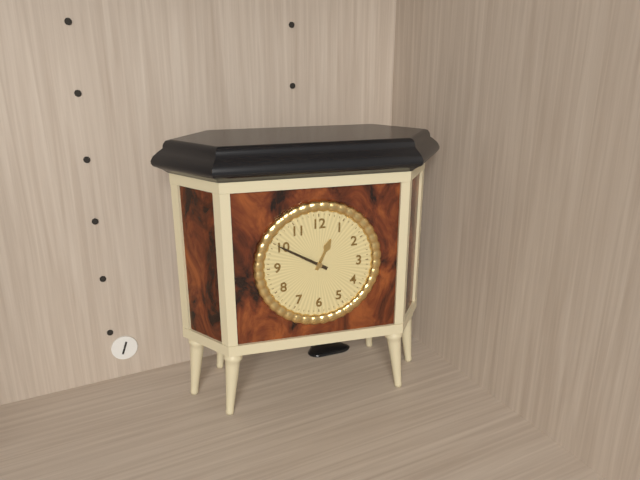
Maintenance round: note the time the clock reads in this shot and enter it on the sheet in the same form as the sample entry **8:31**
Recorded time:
**12:50**
